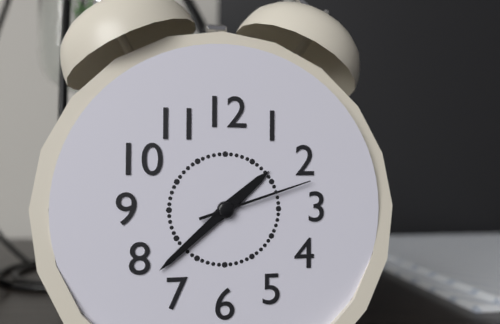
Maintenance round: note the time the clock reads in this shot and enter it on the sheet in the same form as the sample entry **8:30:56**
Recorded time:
**1:38:12**
